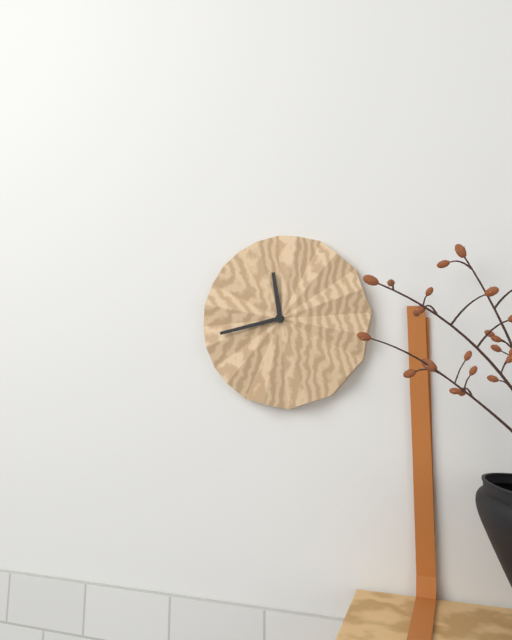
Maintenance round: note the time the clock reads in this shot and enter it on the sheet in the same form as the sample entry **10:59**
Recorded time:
**11:43**
